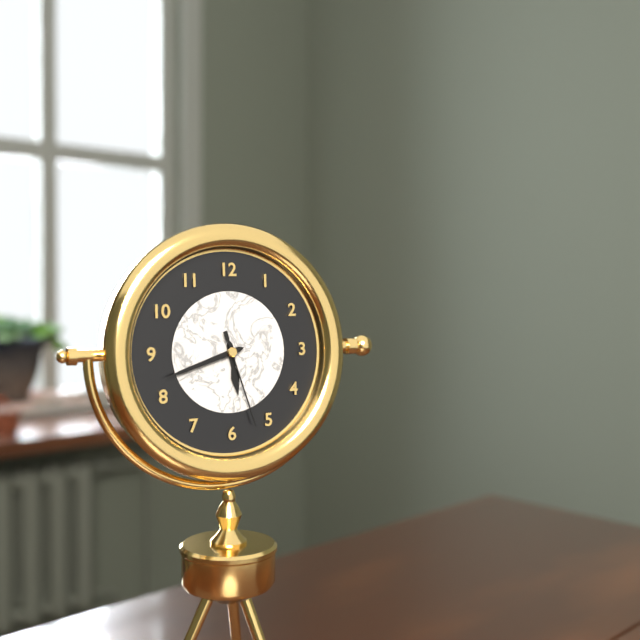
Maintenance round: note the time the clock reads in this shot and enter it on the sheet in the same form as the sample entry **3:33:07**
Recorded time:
**5:42:27**
